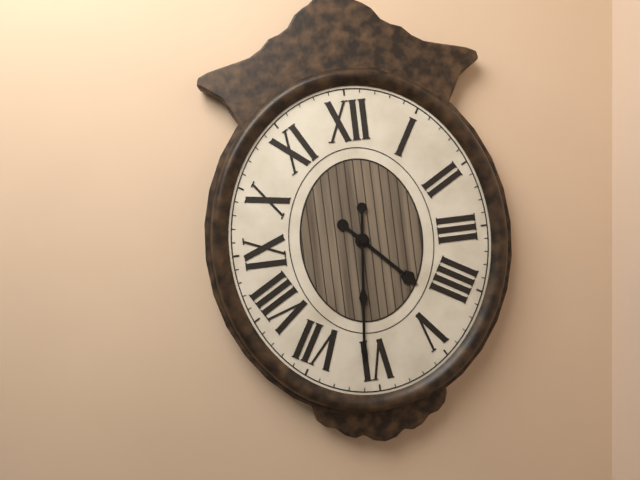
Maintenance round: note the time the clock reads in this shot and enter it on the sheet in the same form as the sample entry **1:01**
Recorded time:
**4:31**
